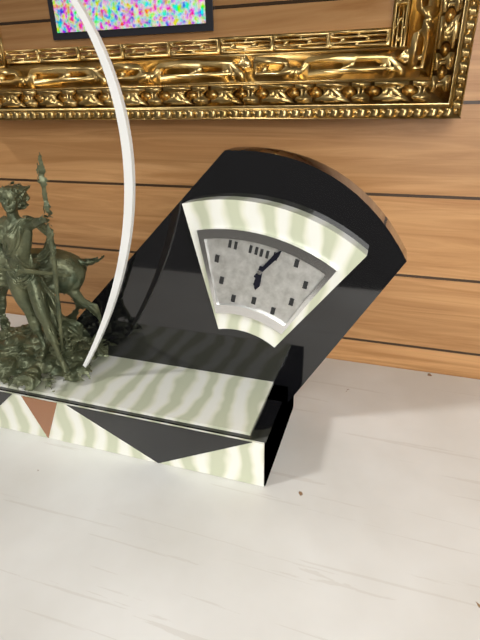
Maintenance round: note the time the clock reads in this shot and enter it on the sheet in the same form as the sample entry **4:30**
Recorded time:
**6:05**
